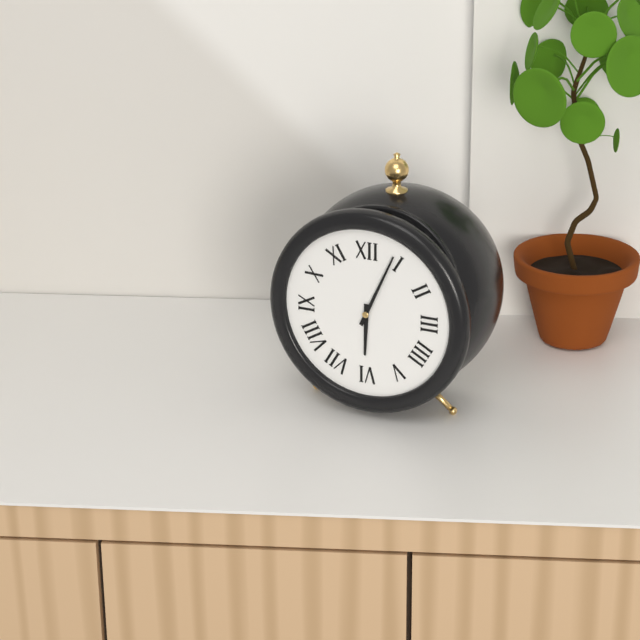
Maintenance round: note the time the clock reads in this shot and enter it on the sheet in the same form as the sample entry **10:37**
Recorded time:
**6:04**
